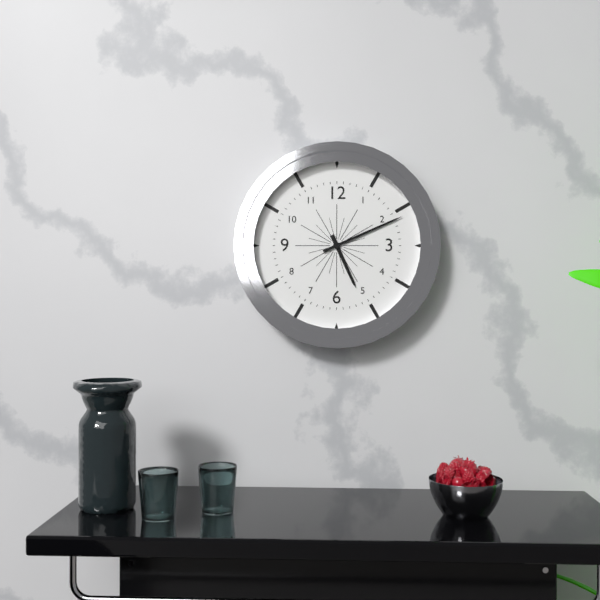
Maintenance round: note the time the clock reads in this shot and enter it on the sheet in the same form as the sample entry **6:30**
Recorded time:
**5:11**
